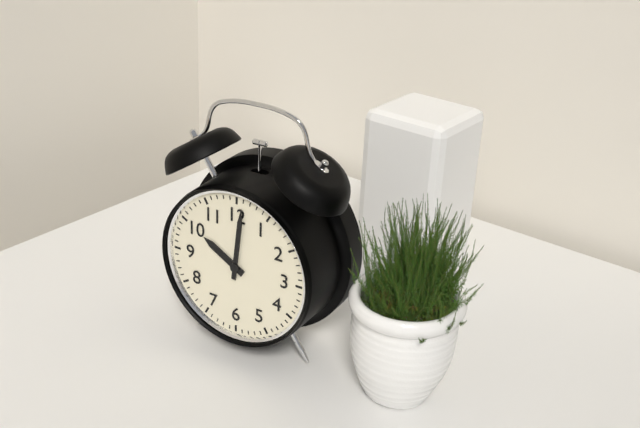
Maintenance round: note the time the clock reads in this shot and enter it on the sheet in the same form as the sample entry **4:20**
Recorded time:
**10:01**
